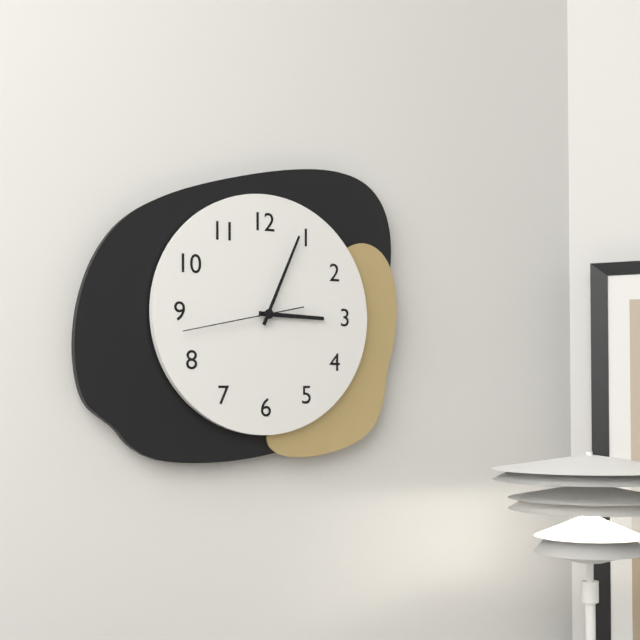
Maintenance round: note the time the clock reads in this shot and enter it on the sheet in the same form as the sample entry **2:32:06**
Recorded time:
**3:04:43**
